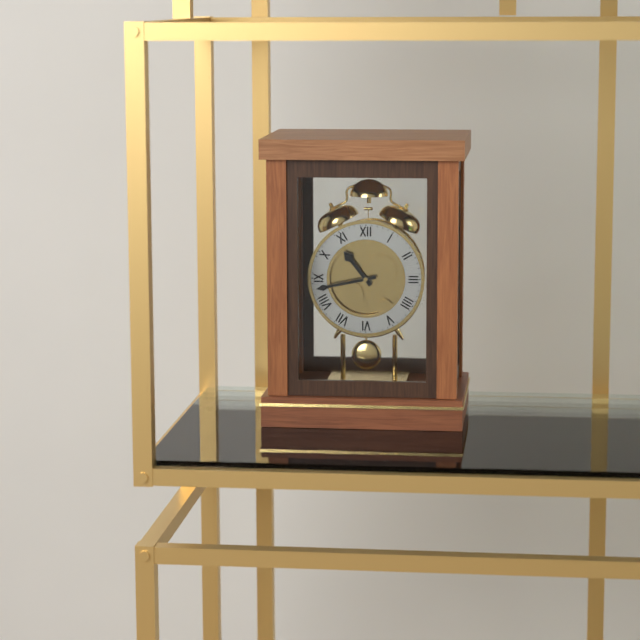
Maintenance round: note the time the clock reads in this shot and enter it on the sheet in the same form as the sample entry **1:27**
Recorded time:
**10:43**
